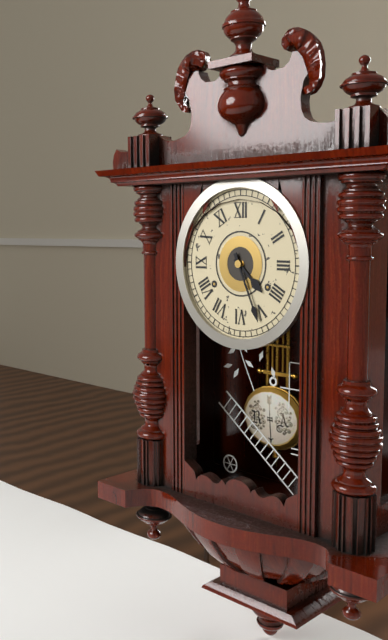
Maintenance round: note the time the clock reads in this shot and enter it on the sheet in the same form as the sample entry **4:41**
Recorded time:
**4:26**
